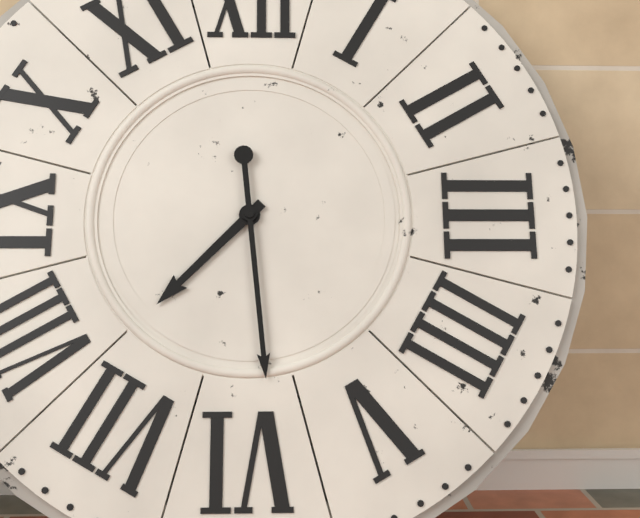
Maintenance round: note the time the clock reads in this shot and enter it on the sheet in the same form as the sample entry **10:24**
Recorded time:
**7:29**
